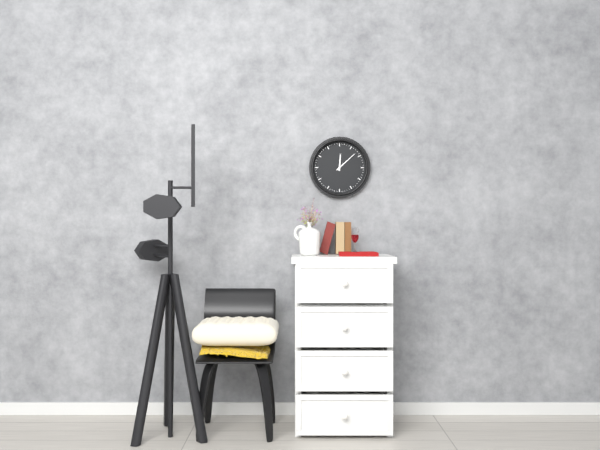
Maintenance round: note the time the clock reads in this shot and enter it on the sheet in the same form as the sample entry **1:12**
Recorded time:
**12:08**
